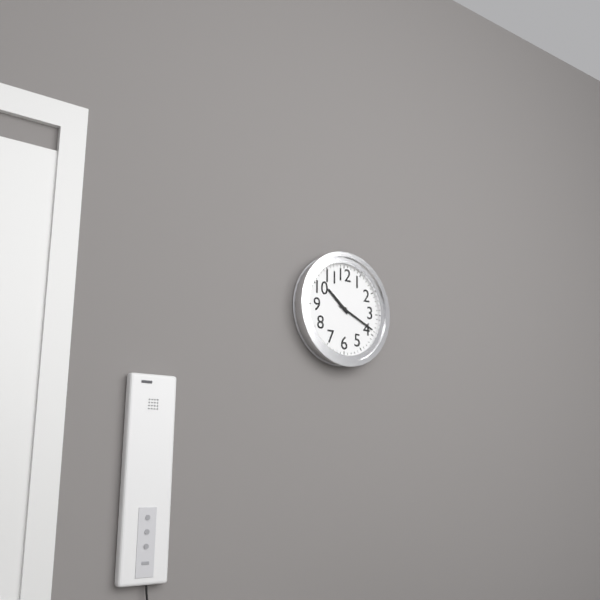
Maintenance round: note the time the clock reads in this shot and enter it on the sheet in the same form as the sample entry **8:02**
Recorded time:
**10:19**
